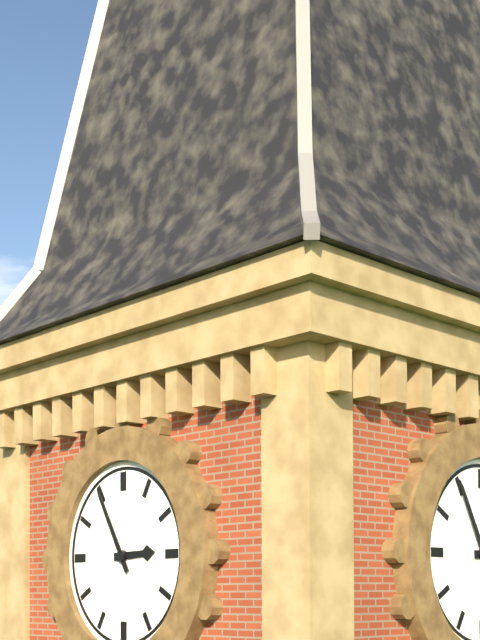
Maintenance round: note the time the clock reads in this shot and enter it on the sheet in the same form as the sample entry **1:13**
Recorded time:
**2:55**
